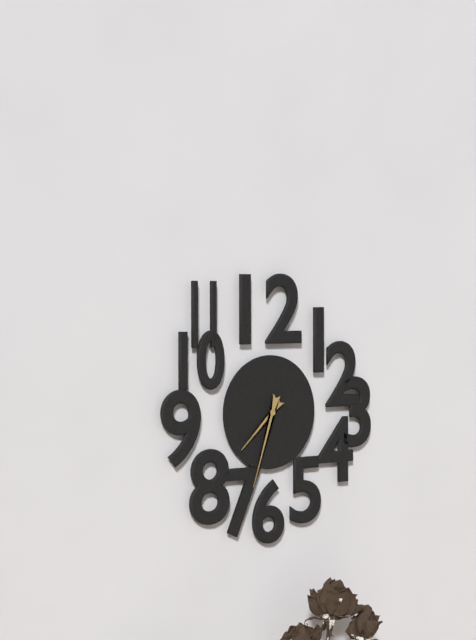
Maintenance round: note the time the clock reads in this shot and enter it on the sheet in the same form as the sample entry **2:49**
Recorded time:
**7:33**
